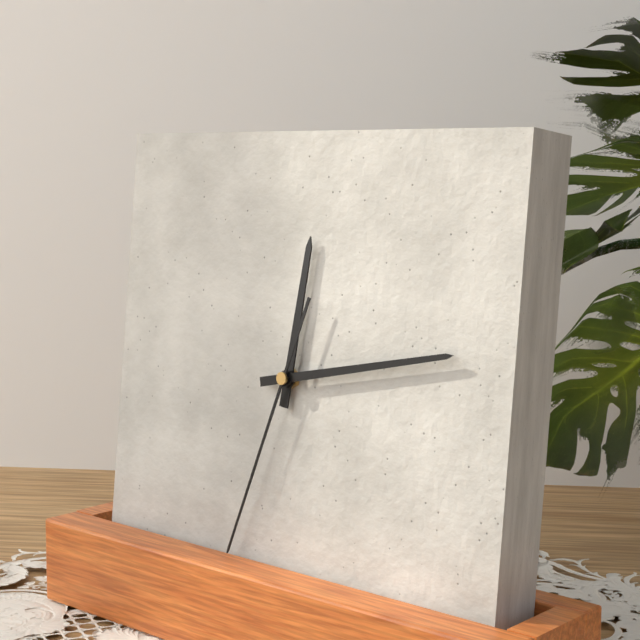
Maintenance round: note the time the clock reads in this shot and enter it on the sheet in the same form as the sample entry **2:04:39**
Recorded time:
**12:13:33**
